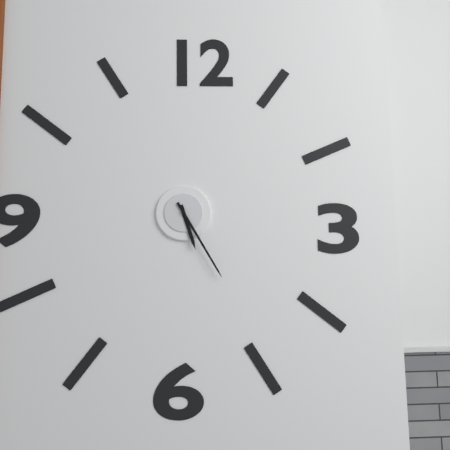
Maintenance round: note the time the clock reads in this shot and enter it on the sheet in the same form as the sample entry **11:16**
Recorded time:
**5:25**
